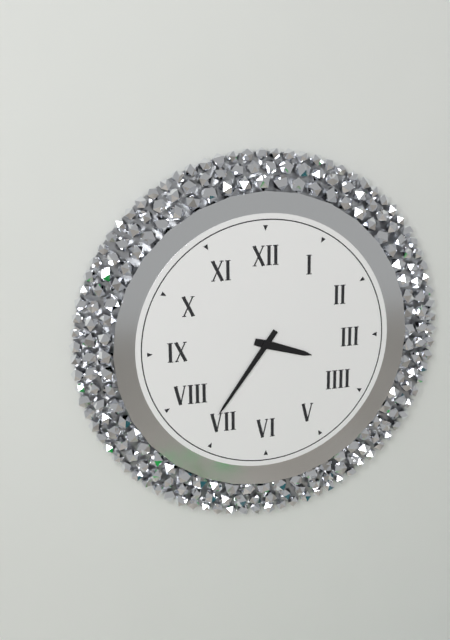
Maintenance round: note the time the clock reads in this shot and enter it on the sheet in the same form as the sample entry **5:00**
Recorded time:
**3:36**
